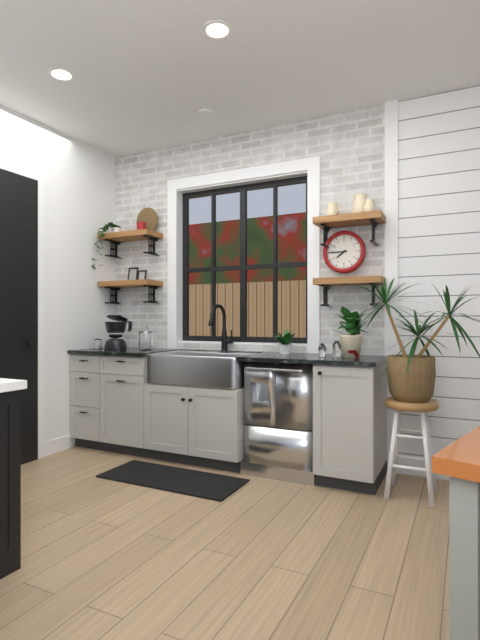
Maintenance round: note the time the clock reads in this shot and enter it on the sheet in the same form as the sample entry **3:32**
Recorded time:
**7:45**
